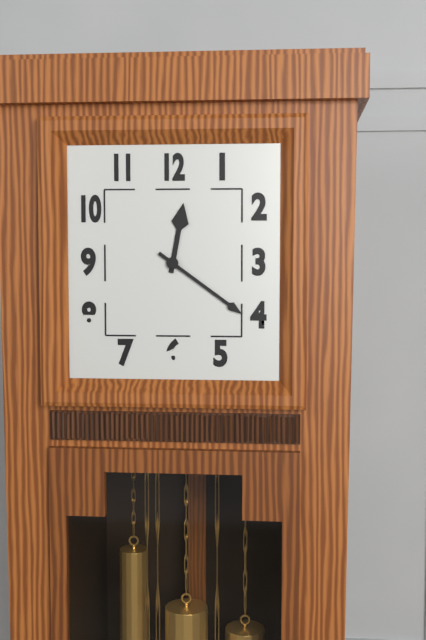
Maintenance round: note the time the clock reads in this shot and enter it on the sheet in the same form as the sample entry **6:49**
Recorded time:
**12:21**
